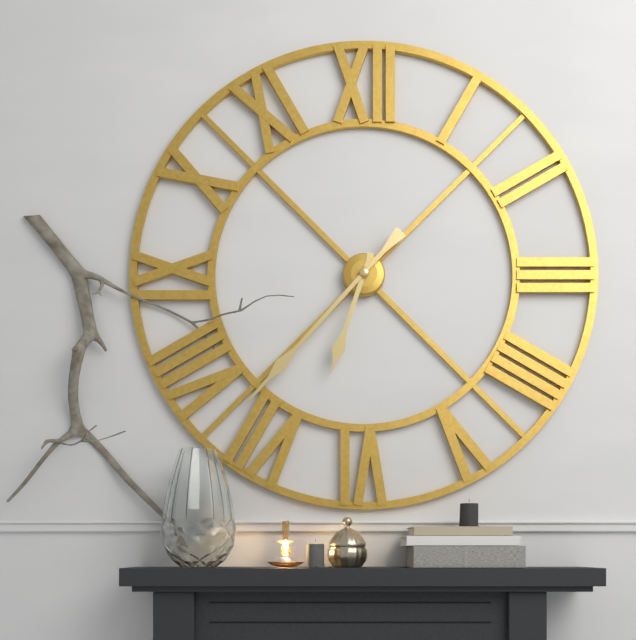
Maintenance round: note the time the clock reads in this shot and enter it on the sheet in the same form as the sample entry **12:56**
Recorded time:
**6:37**
